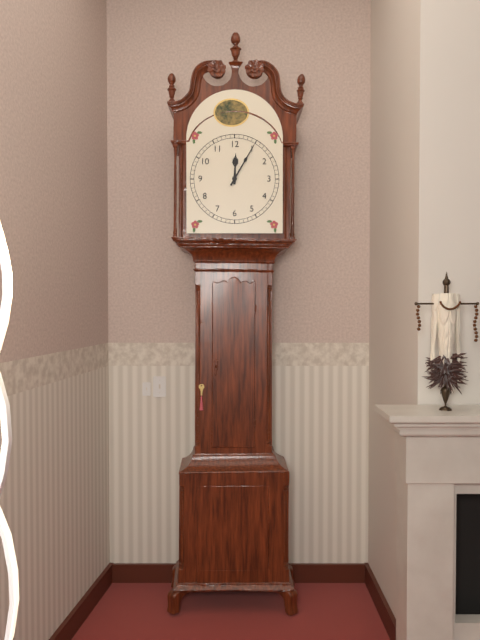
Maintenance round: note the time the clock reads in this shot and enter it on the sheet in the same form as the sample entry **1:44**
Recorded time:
**12:05**
